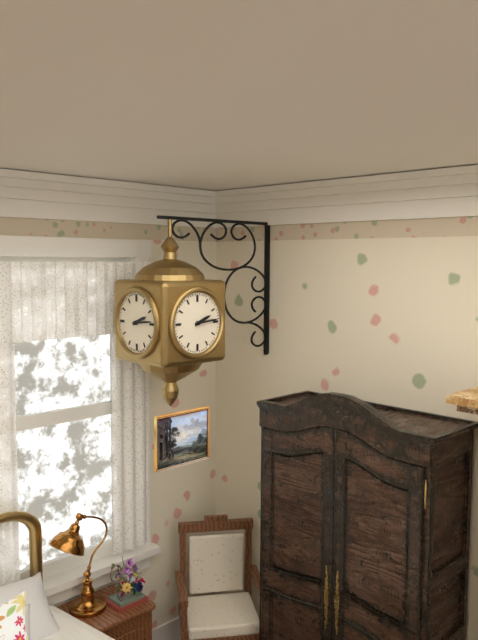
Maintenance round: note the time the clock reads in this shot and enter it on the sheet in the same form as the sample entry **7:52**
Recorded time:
**2:14**
